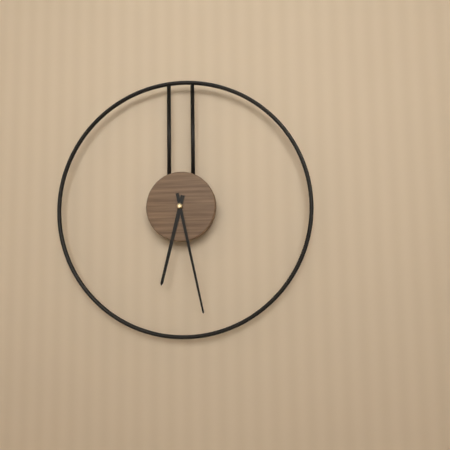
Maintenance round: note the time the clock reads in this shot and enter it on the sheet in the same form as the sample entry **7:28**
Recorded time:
**6:28**
